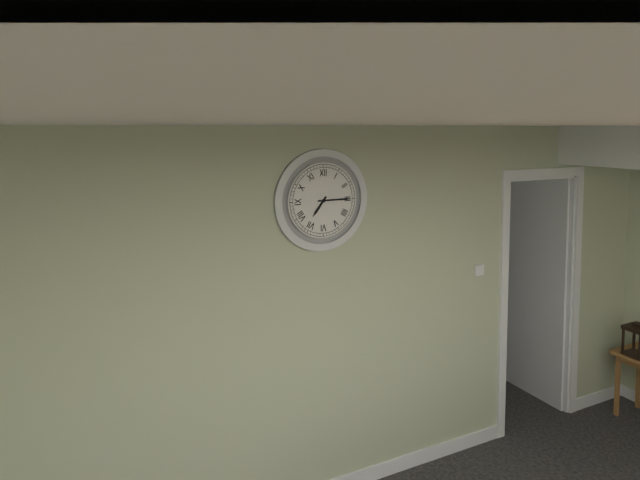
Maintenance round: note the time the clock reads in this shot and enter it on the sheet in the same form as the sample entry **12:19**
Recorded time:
**7:15**
